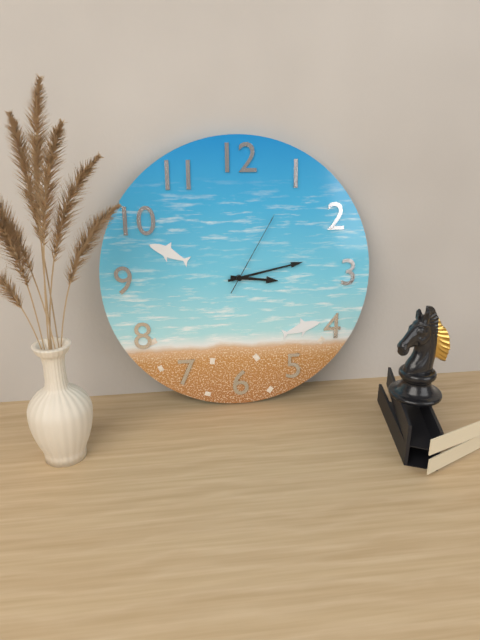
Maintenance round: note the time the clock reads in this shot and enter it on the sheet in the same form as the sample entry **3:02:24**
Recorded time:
**3:13:05**
